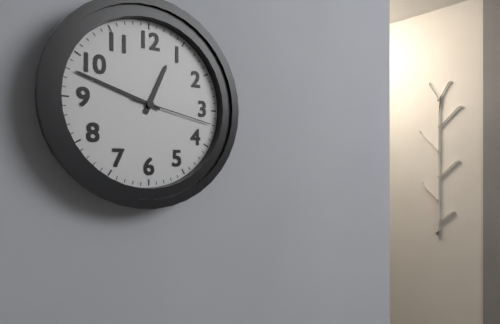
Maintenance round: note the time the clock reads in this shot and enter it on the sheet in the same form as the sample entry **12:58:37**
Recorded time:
**12:48:17**
